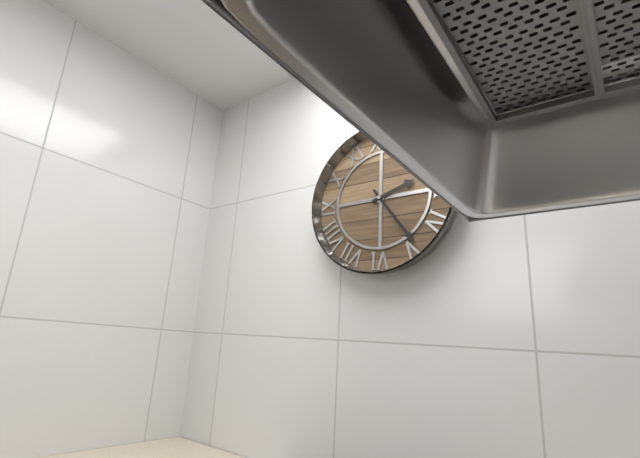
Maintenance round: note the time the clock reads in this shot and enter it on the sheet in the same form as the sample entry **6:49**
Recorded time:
**2:24**
